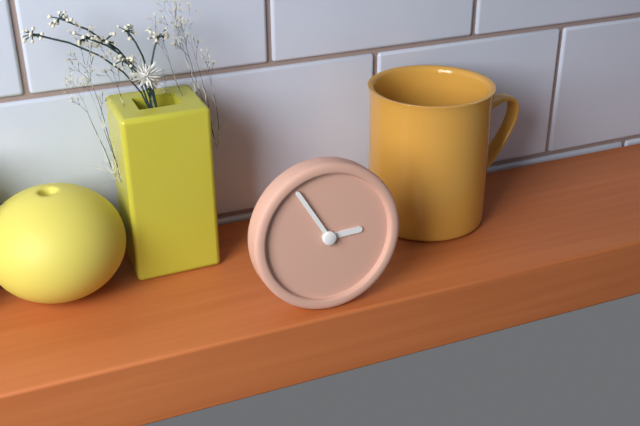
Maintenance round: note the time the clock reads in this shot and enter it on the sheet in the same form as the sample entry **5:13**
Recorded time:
**2:55**
